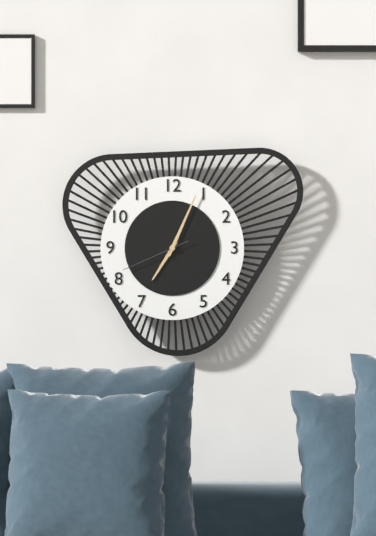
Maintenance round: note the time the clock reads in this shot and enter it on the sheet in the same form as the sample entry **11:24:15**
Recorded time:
**7:04:41**
